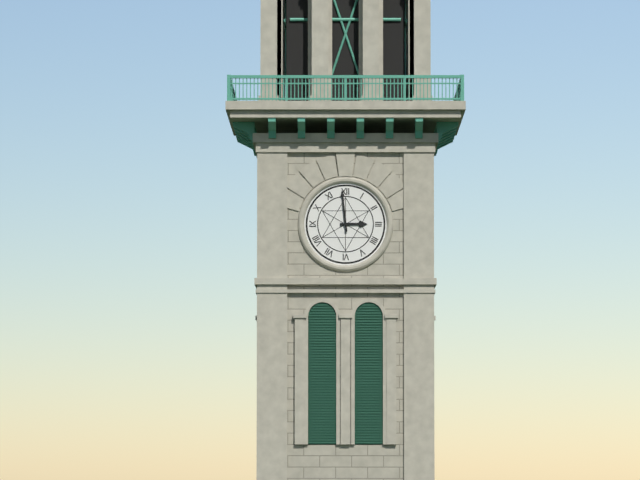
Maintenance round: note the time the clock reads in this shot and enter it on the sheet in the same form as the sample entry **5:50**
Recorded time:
**2:59**
